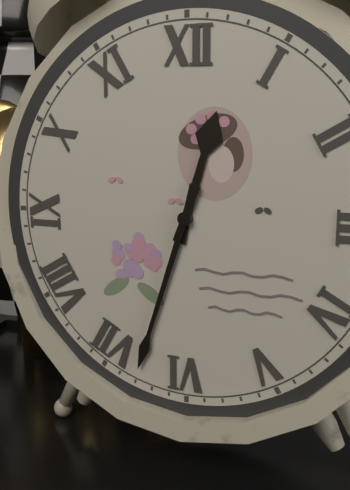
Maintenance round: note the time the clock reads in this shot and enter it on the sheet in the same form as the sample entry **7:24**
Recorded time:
**12:33**
